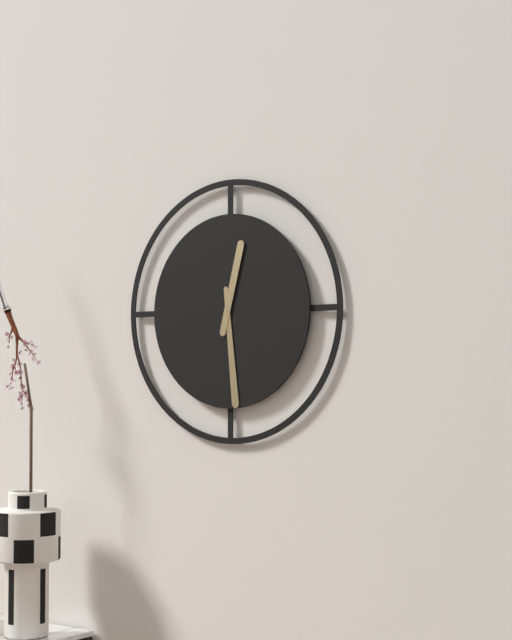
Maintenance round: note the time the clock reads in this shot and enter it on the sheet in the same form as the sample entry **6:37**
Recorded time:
**12:29**
